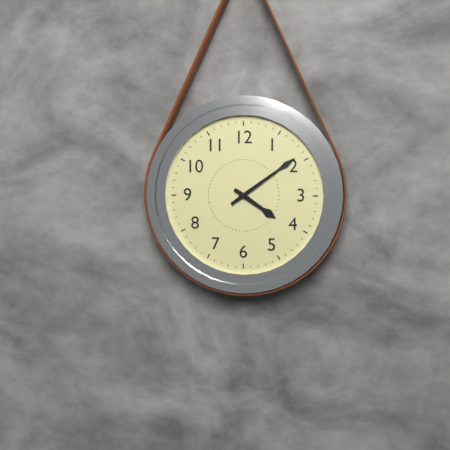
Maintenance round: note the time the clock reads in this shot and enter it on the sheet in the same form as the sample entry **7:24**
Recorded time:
**4:09**
